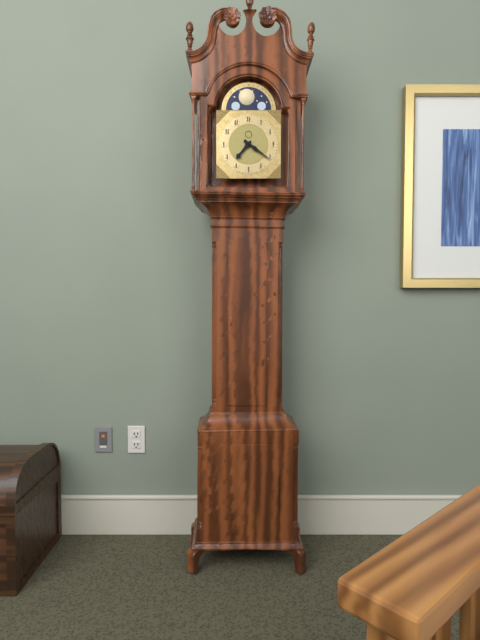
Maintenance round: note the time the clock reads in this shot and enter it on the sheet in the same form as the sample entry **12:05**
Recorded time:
**7:21**
